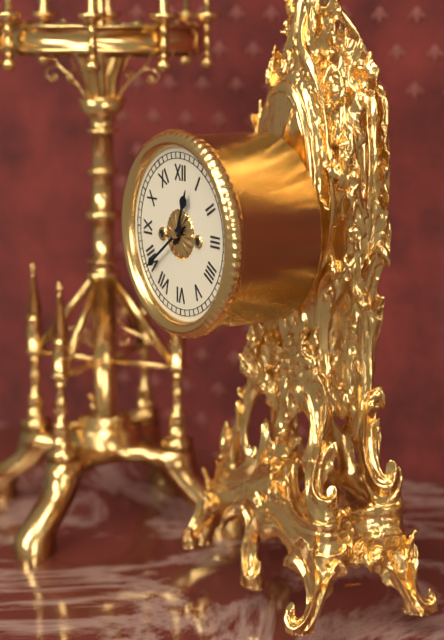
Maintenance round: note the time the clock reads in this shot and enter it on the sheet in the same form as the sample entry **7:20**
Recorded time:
**12:39**
